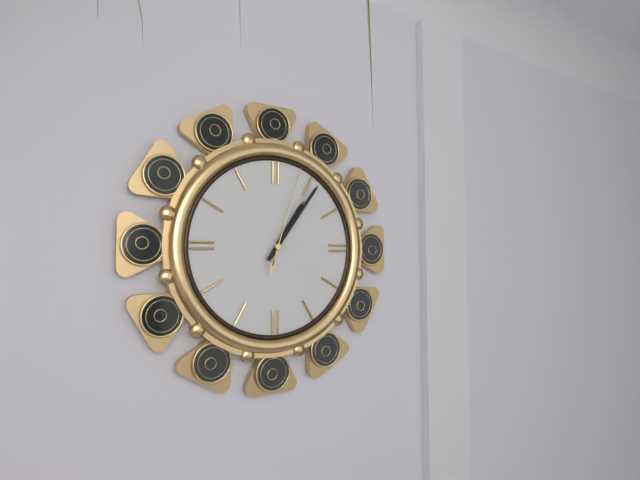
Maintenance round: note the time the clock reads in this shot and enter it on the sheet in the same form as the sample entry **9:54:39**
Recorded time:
**1:06:03**
